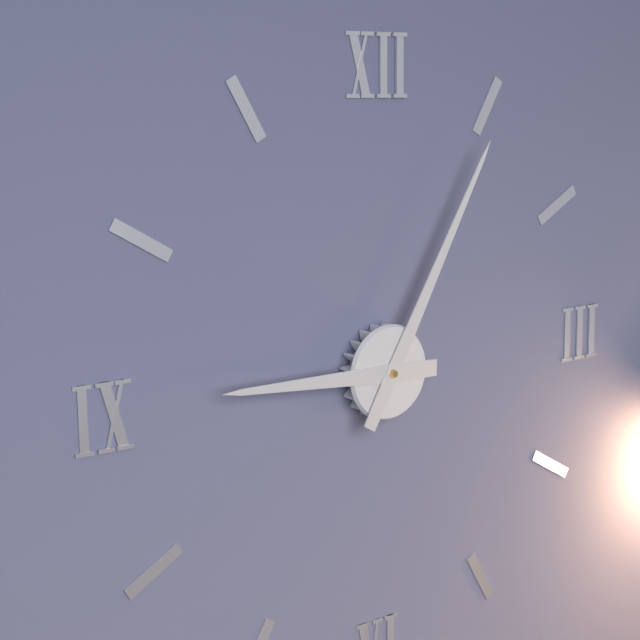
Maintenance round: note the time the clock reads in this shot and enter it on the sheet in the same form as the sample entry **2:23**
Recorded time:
**9:05**
